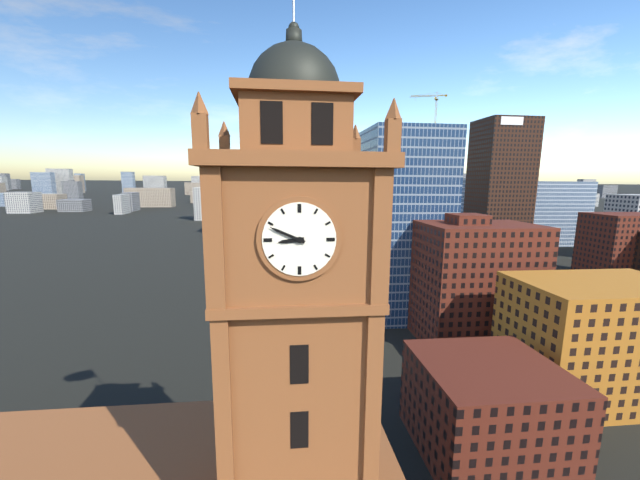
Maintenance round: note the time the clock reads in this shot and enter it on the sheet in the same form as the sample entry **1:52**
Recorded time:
**8:49**
